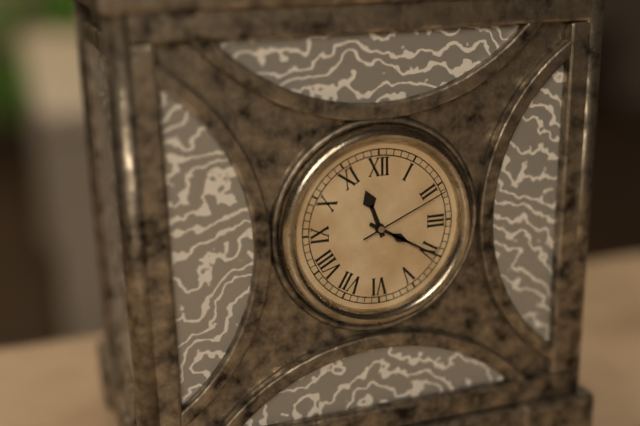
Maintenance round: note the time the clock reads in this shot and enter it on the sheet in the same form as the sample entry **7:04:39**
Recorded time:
**11:20:11**
